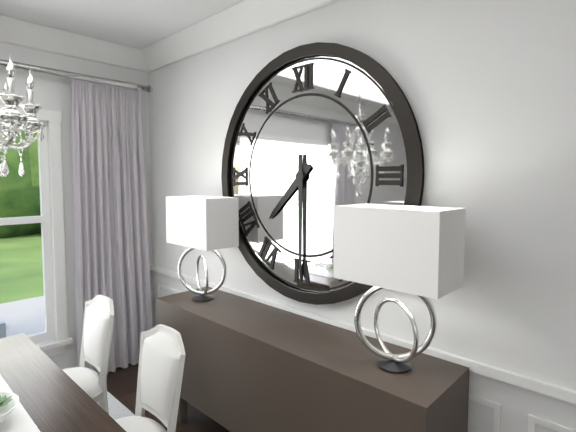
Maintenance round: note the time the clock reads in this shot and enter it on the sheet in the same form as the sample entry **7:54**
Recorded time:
**7:30**
